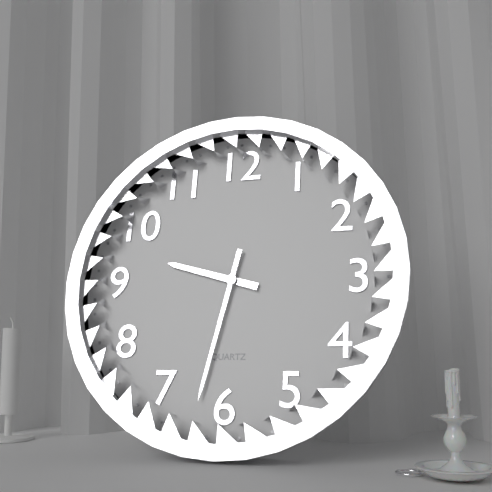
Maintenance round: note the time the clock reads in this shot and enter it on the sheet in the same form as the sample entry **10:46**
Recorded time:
**9:32**
